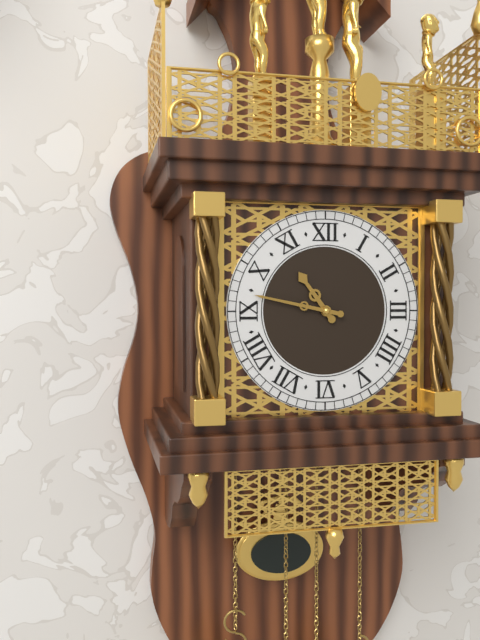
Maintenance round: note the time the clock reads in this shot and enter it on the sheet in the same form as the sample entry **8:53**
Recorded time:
**10:47**
